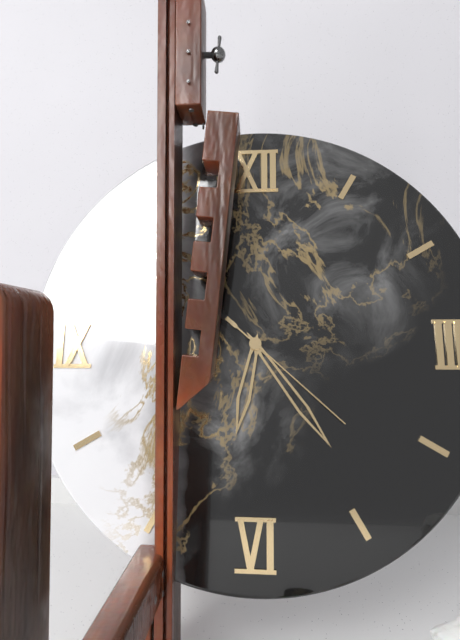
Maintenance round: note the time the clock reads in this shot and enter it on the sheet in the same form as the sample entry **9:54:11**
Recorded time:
**6:24:22**
